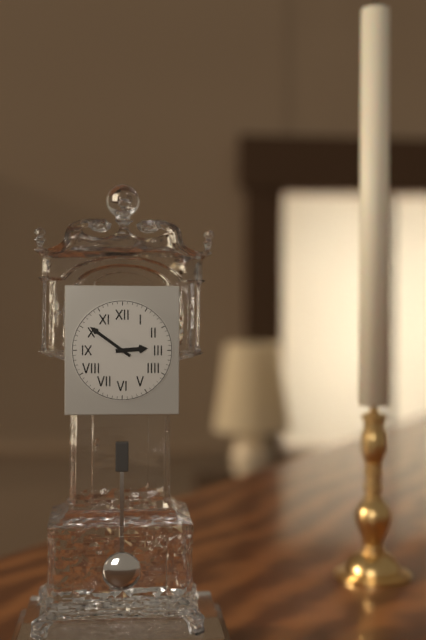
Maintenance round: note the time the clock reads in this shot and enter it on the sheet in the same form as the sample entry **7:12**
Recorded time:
**2:51**
